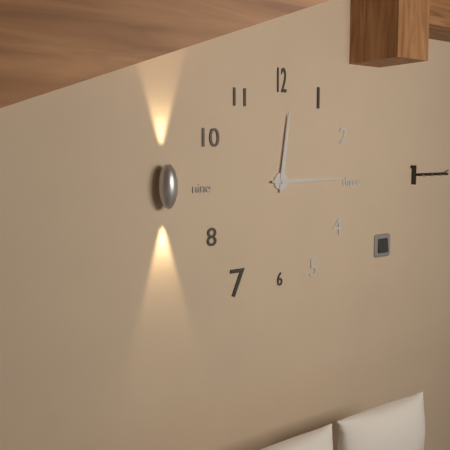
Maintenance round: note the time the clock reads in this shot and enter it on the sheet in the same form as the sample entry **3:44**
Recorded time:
**12:15**
